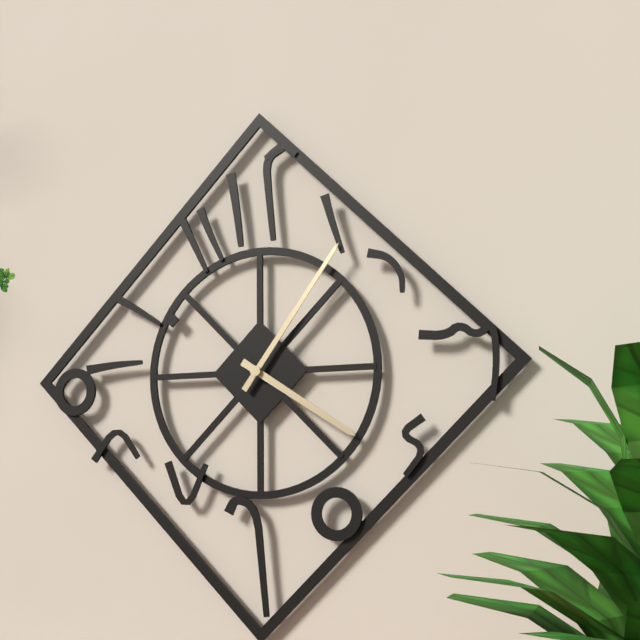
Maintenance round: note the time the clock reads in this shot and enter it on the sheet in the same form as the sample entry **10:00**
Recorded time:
**4:06**
